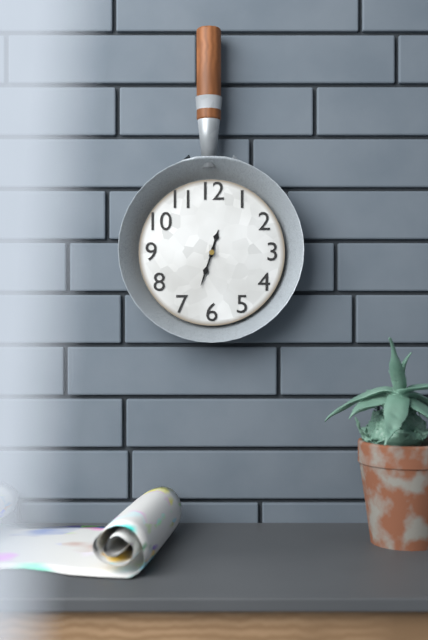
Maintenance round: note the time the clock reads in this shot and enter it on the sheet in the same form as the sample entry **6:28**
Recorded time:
**12:33**
